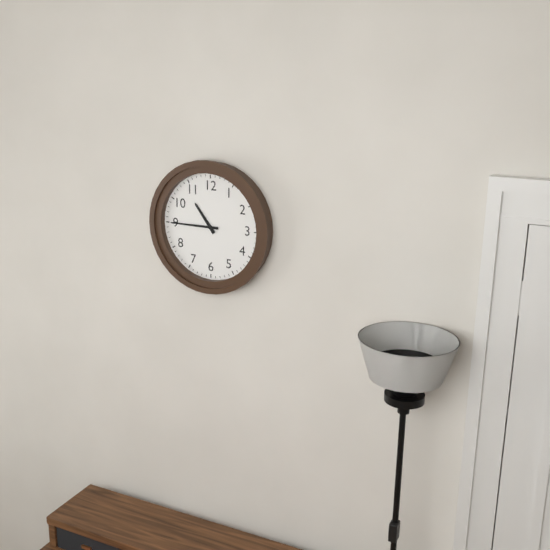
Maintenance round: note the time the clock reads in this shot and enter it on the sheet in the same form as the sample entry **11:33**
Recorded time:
**10:45**
